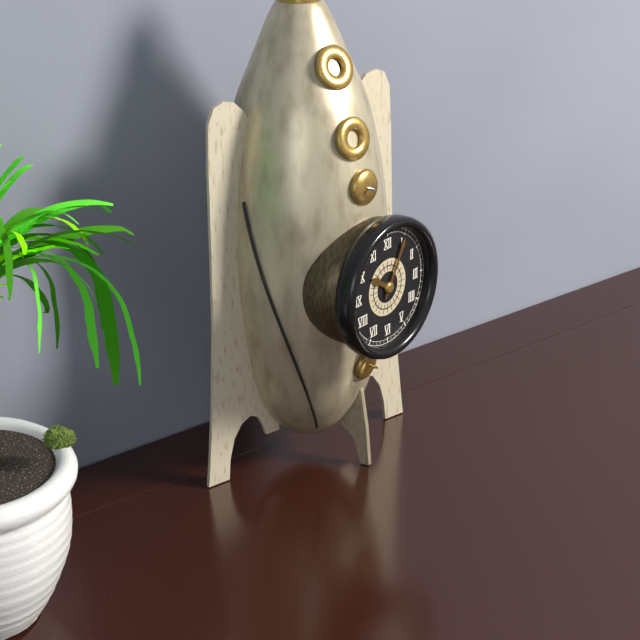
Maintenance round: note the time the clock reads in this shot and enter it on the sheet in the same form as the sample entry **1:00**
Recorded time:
**10:05**
